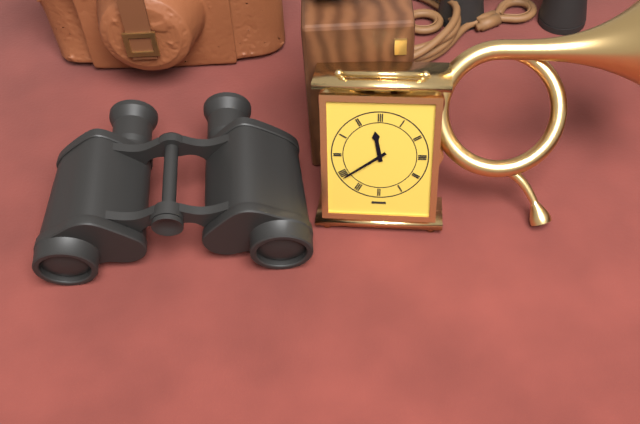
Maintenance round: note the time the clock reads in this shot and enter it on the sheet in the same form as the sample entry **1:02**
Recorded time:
**11:39**
